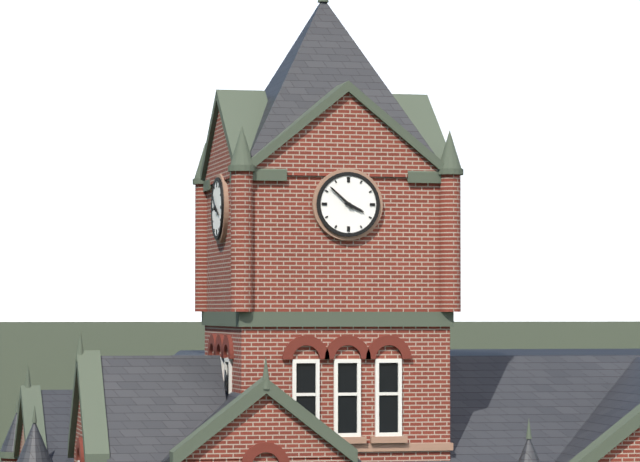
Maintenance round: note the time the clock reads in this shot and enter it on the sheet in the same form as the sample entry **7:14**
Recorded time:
**3:52**
